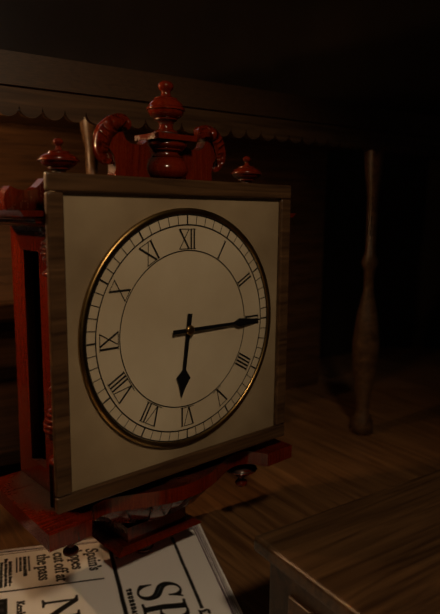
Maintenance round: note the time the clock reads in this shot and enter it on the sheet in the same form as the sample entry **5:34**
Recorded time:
**6:15**
